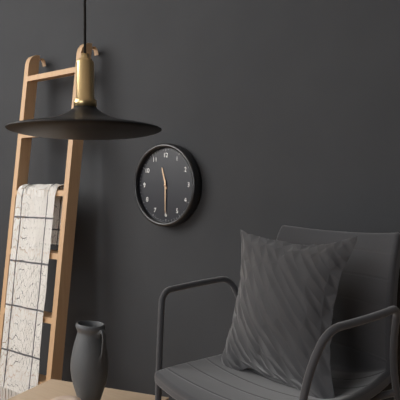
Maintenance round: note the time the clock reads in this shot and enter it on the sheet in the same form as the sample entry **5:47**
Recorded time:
**11:30**
